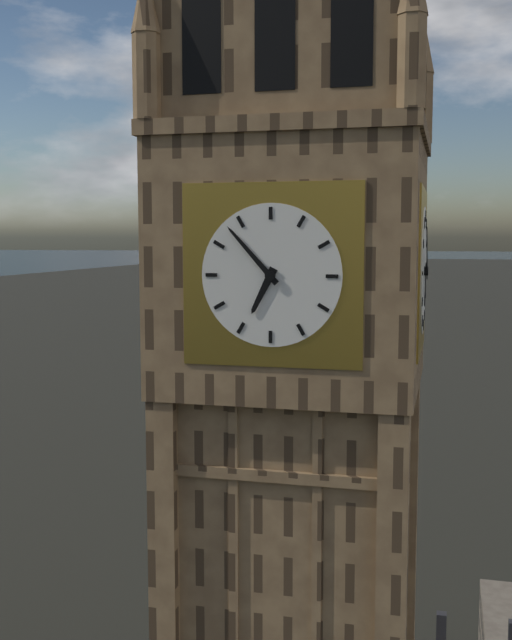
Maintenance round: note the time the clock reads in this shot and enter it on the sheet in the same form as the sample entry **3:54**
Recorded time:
**6:53**
